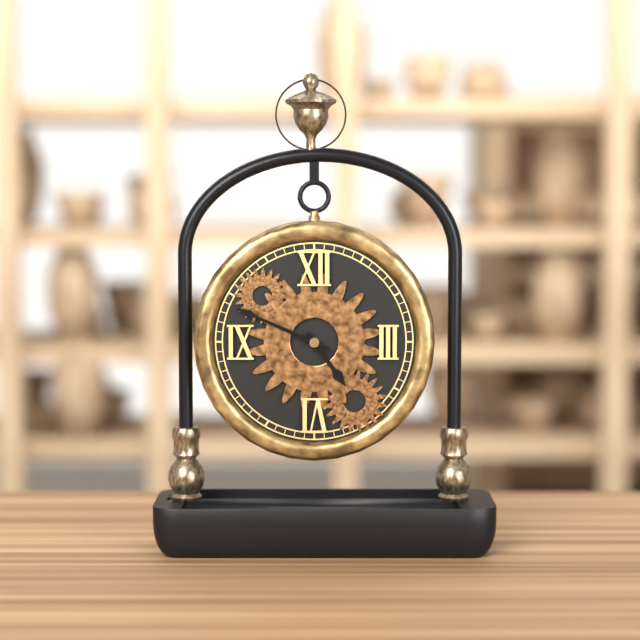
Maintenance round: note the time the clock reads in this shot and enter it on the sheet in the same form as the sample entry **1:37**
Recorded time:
**4:49**
